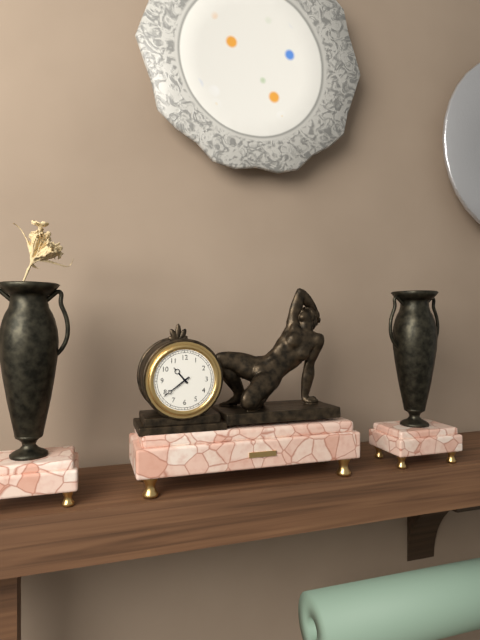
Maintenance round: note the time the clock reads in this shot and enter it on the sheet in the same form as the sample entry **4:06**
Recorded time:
**10:39**
